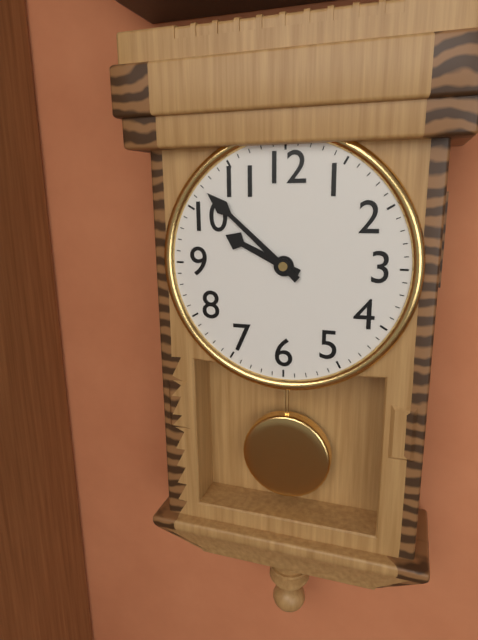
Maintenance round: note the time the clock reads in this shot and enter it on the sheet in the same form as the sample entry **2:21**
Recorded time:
**9:52**
